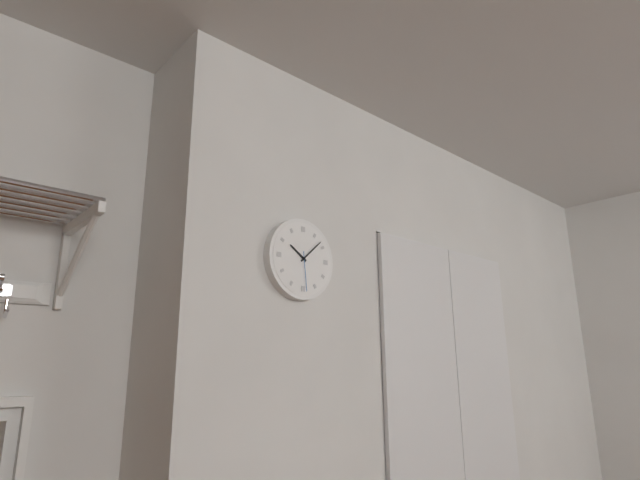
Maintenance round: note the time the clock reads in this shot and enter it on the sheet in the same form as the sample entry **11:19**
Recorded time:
**10:08**
